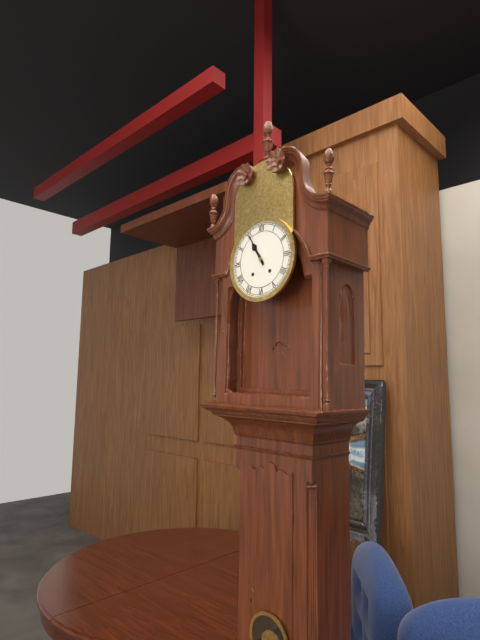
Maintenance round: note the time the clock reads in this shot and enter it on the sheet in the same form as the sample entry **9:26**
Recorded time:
**10:55**
